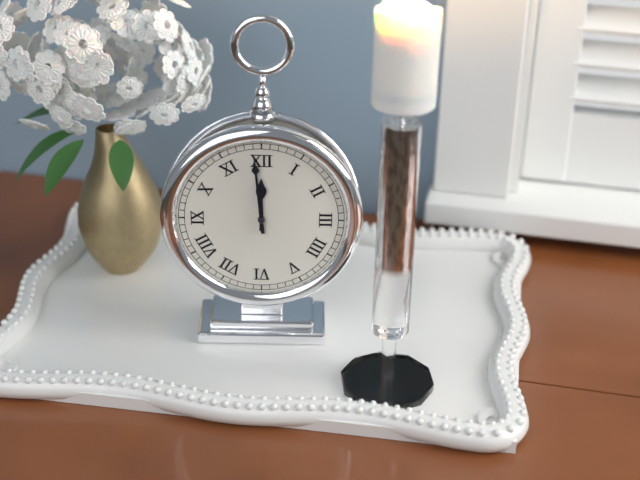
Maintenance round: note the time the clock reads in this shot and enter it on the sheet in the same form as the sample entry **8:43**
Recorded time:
**11:59**
